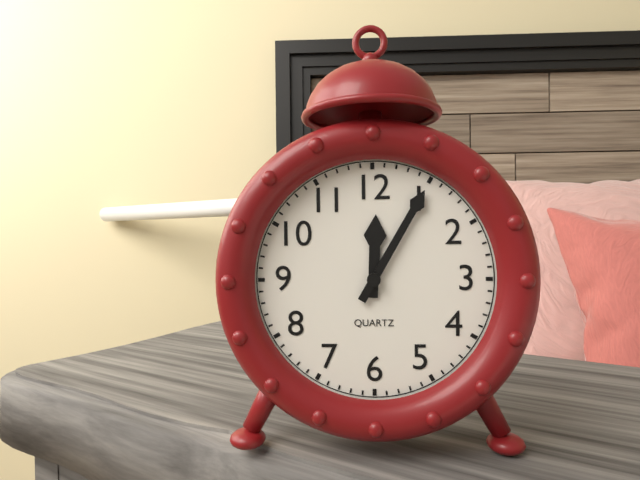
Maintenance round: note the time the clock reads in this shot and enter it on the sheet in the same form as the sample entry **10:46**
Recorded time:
**12:05**
